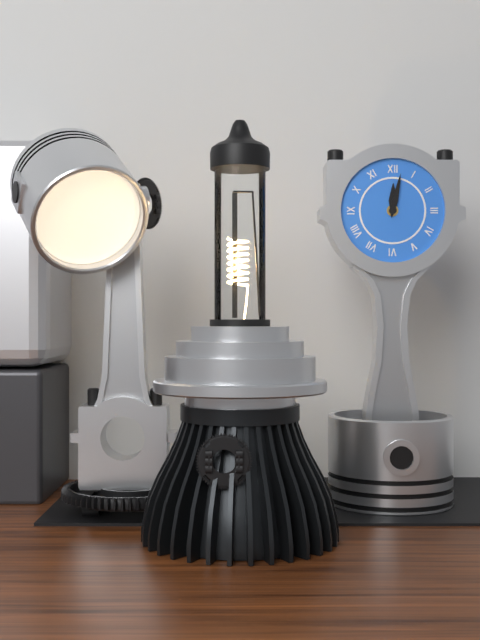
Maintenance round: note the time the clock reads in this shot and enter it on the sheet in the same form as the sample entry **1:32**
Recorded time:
**12:02**
